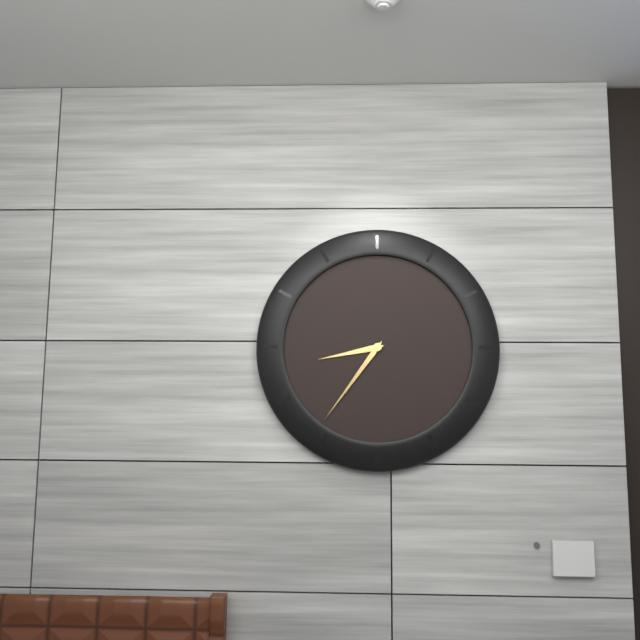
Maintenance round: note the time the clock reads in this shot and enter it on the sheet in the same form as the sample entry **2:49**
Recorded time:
**8:36**
